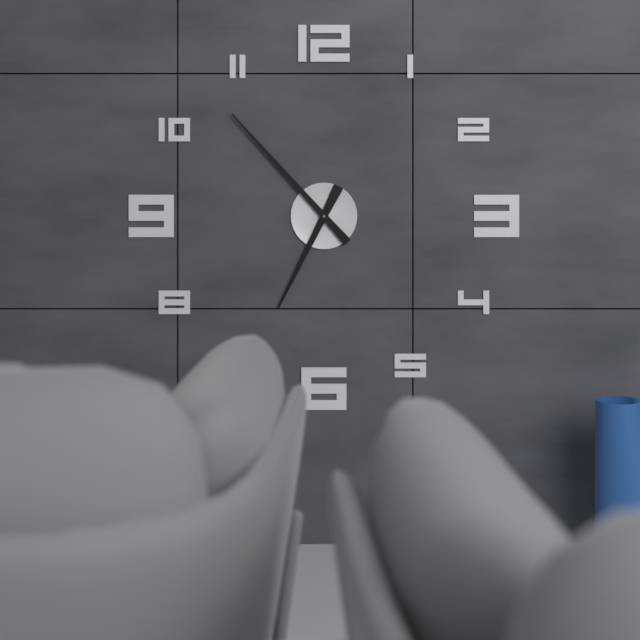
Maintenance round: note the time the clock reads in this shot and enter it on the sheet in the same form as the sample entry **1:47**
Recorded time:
**6:53**
